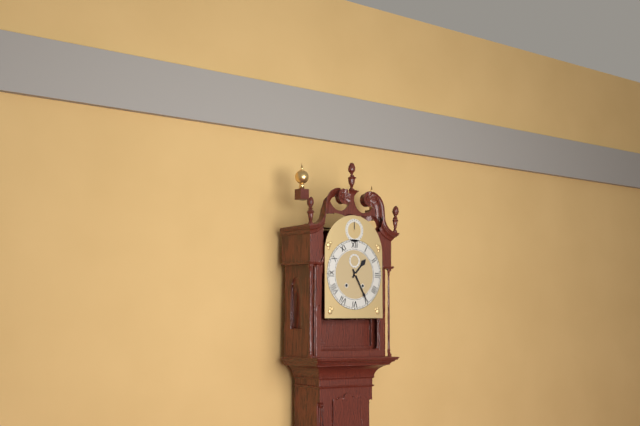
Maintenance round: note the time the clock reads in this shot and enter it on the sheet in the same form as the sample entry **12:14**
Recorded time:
**1:25**
